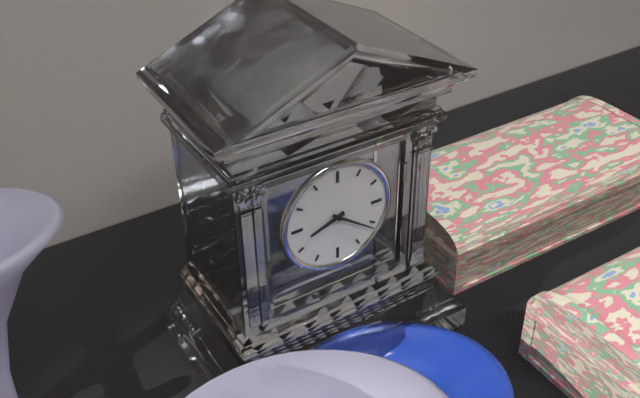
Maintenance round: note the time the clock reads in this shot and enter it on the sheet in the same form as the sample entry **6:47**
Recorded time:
**8:21**
